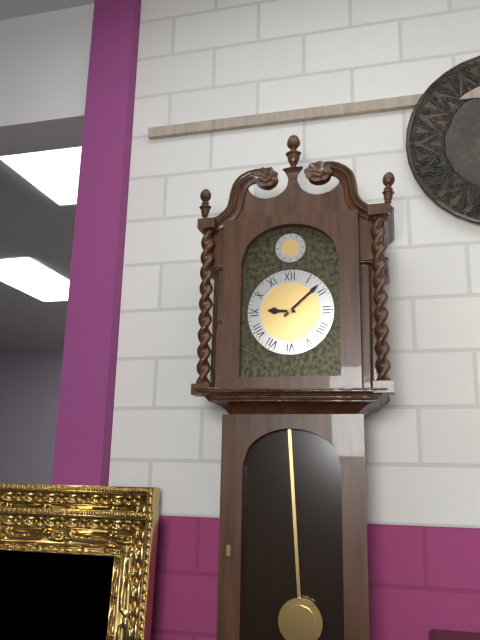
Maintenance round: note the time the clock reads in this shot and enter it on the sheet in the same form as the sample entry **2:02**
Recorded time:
**9:08**
